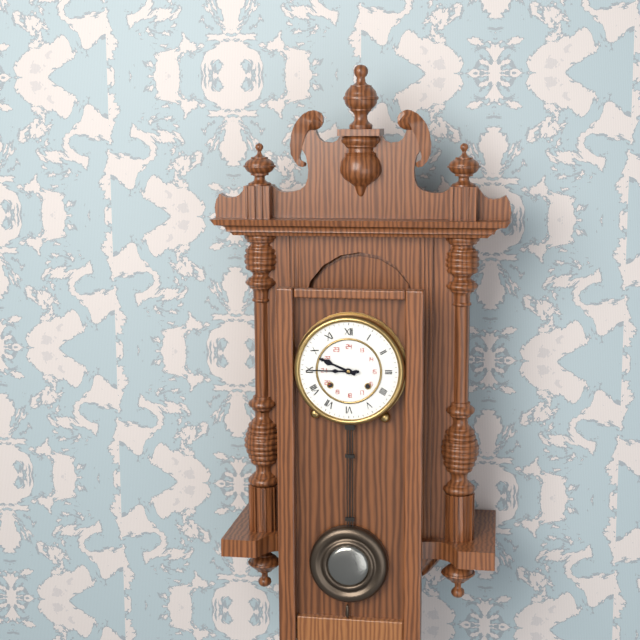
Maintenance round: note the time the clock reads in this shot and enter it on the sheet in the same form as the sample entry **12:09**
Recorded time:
**9:45**
